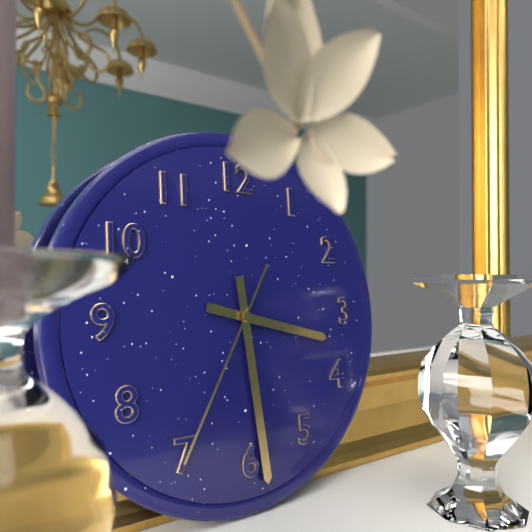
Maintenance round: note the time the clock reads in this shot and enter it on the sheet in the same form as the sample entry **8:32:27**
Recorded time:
**3:29:35**
